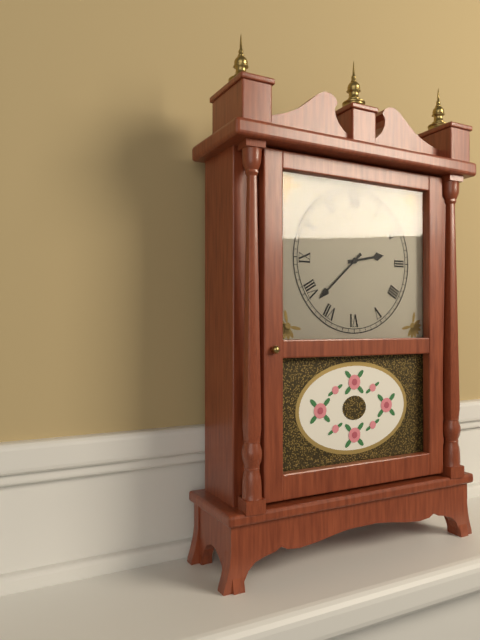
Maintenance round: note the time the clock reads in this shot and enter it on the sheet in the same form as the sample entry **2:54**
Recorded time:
**2:38**
